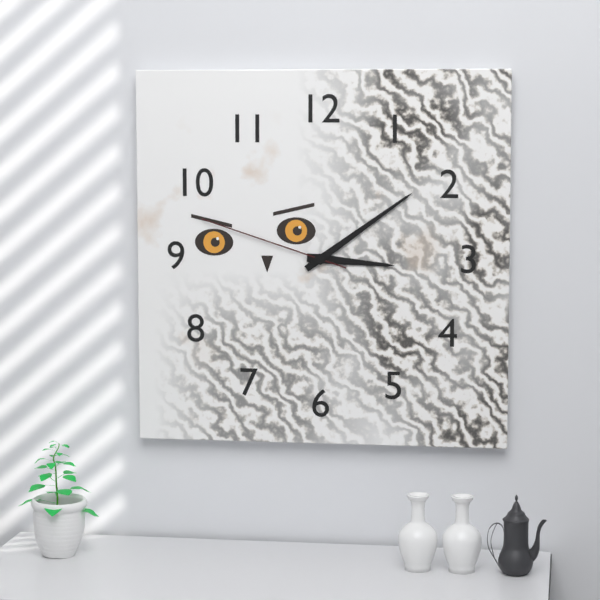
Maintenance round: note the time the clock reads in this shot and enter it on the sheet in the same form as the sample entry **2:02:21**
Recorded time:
**3:09:48**
